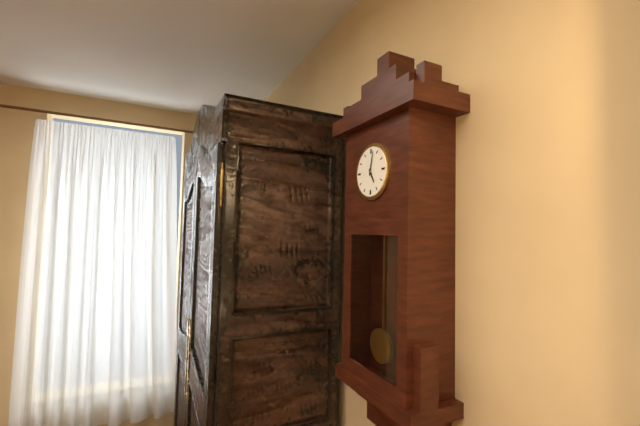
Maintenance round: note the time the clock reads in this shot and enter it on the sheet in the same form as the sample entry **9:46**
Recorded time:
**5:02**
